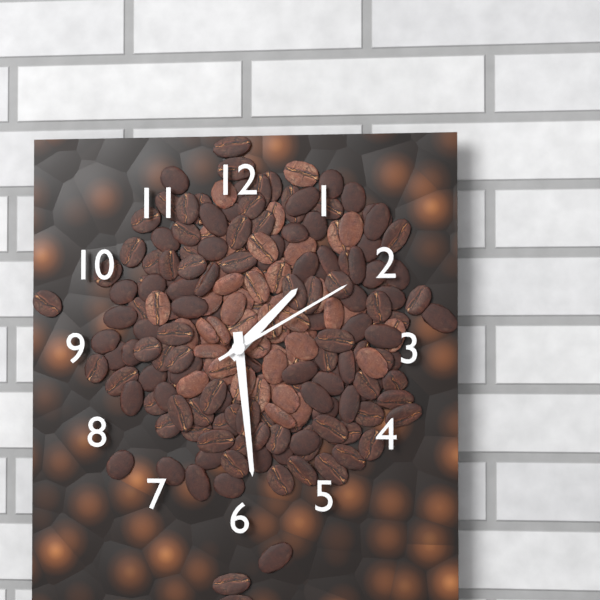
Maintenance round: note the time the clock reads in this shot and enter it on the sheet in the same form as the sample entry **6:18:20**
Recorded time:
**1:29:10**
